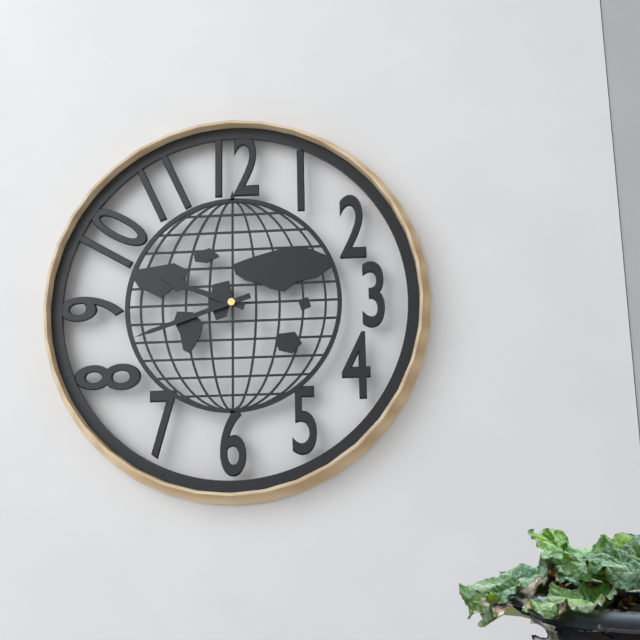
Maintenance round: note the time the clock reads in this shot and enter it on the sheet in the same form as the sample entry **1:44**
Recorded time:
**9:42**
